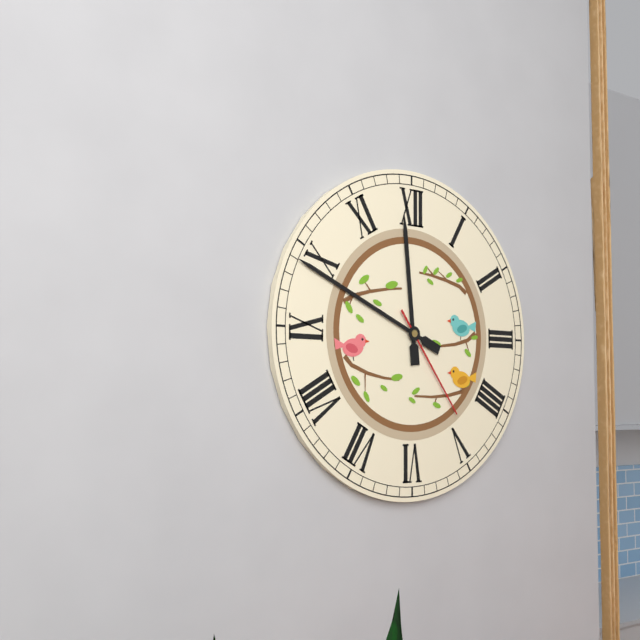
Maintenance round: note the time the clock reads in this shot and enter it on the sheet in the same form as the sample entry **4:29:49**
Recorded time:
**11:49:24**
